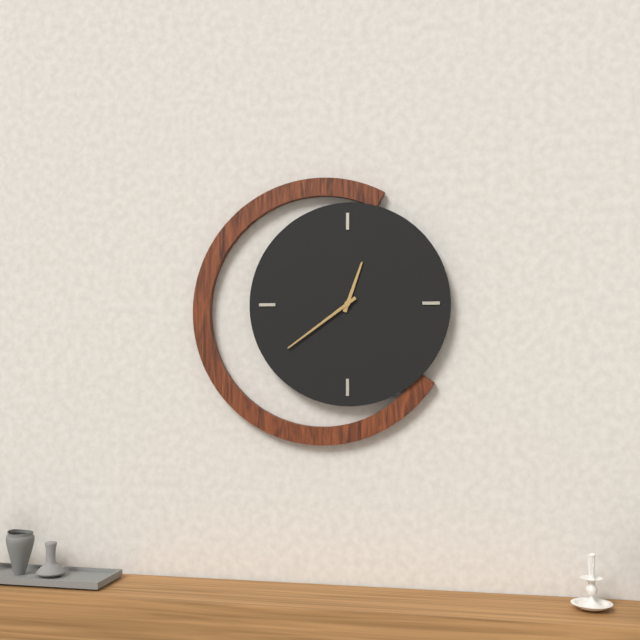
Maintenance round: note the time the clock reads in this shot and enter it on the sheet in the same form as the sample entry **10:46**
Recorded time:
**12:39**
